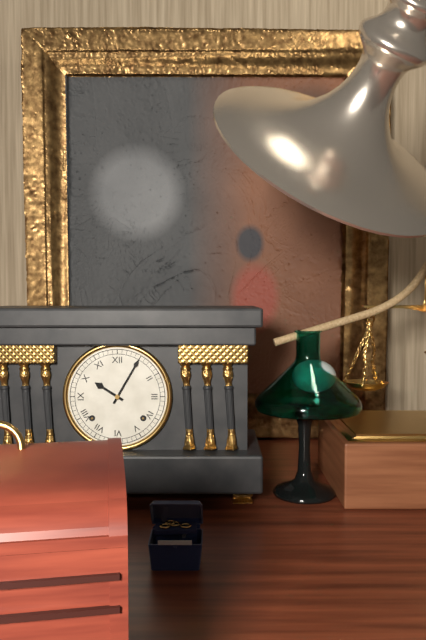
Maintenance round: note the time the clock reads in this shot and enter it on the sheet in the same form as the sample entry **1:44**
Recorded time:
**10:05**
